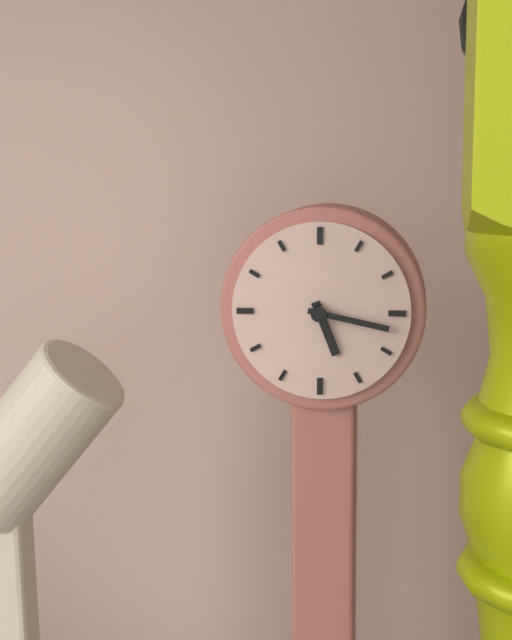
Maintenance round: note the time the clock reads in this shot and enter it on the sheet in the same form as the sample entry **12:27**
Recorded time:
**5:17**
